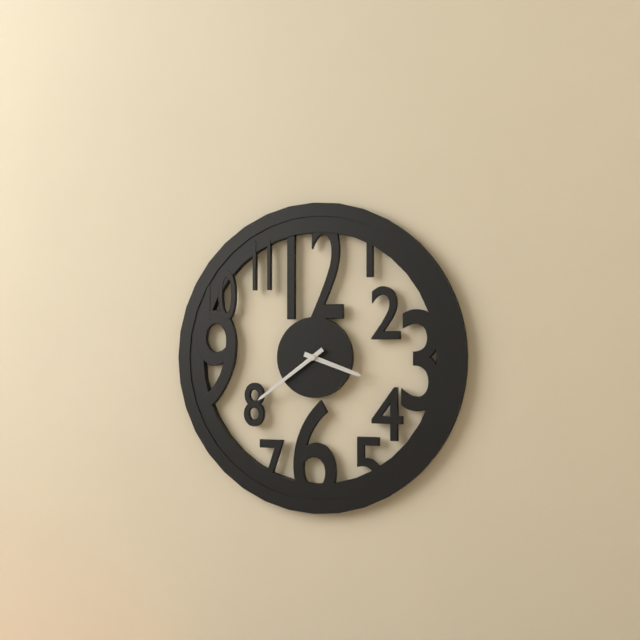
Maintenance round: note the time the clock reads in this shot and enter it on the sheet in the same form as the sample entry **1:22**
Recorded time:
**3:39**
